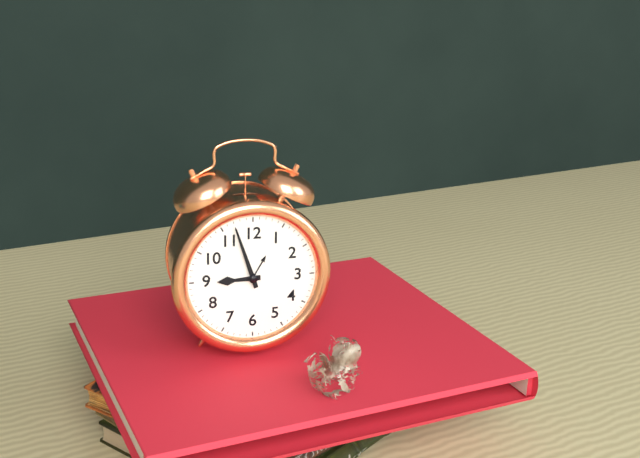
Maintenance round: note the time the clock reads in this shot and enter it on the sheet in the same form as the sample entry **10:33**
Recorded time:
**8:57**
